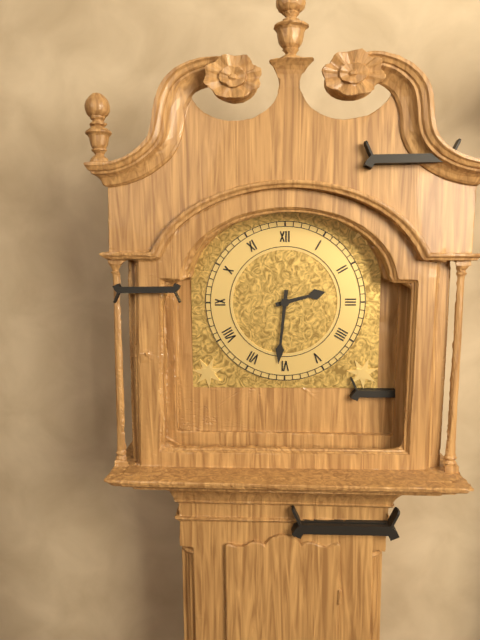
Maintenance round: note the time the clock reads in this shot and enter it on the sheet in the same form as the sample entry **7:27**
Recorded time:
**2:31**
